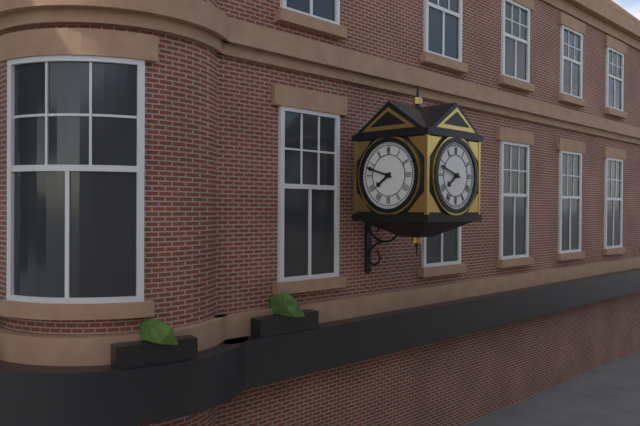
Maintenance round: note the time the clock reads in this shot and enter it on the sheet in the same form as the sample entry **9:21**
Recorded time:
**7:48**
